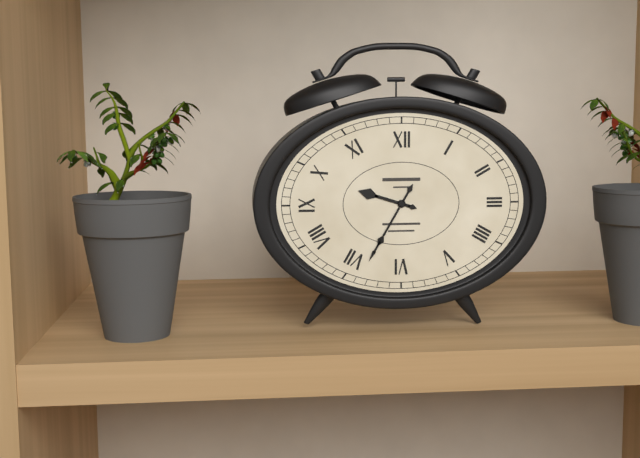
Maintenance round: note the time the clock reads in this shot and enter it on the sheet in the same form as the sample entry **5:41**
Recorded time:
**9:35**
